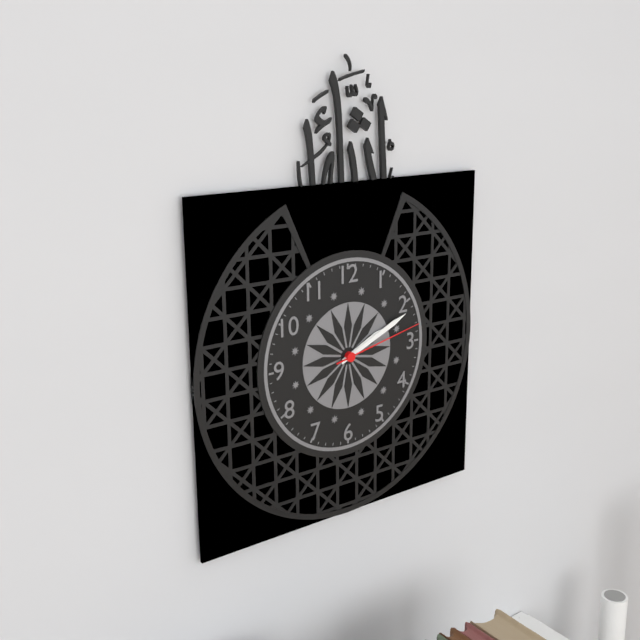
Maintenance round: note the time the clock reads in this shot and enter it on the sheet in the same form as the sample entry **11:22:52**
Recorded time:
**2:11:13**
